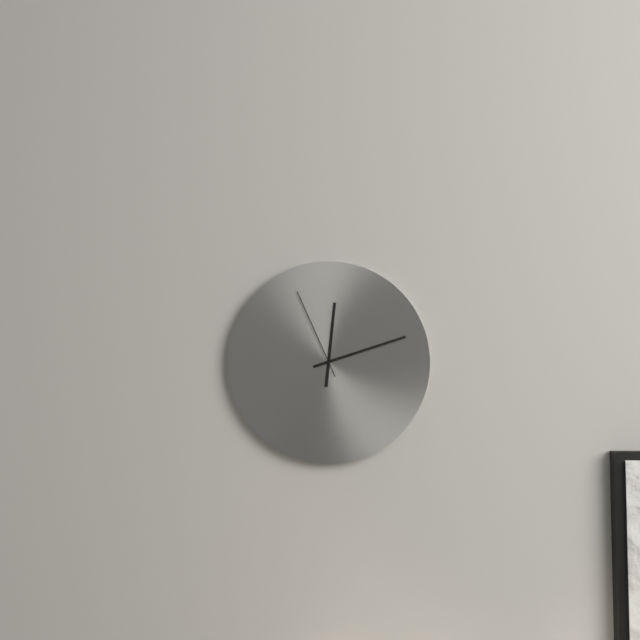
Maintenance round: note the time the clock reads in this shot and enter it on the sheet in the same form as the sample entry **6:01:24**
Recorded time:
**12:12:56**
